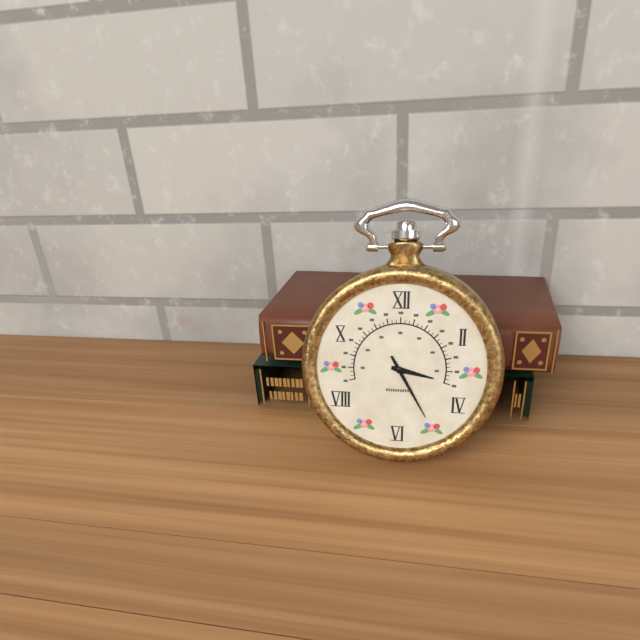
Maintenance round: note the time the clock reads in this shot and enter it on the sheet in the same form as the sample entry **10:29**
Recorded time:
**3:25**
